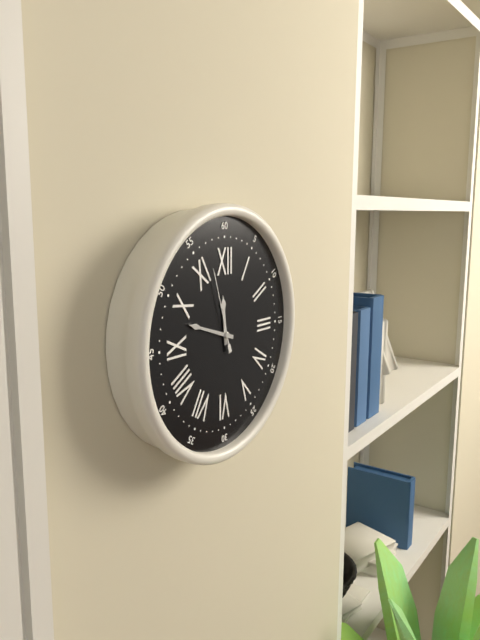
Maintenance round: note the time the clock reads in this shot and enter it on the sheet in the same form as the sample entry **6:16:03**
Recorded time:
**11:48:57**
